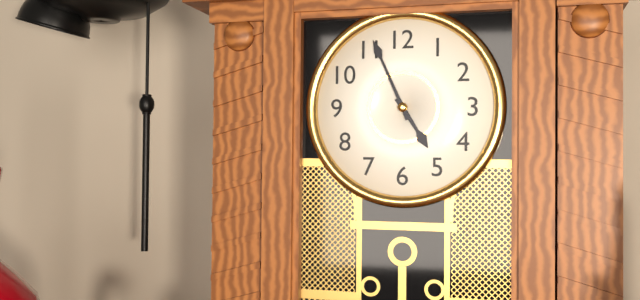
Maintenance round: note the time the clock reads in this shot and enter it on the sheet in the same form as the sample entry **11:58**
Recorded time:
**4:56**
